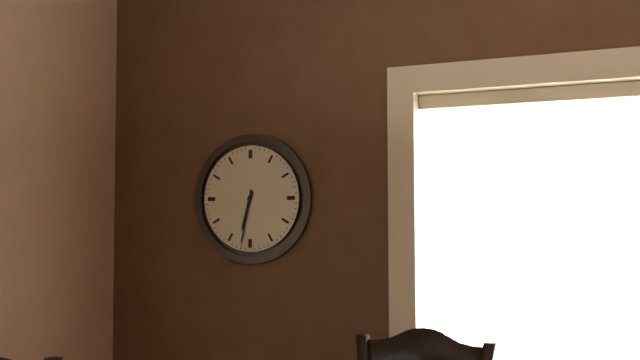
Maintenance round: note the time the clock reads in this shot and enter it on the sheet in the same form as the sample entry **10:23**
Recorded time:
**6:32**
